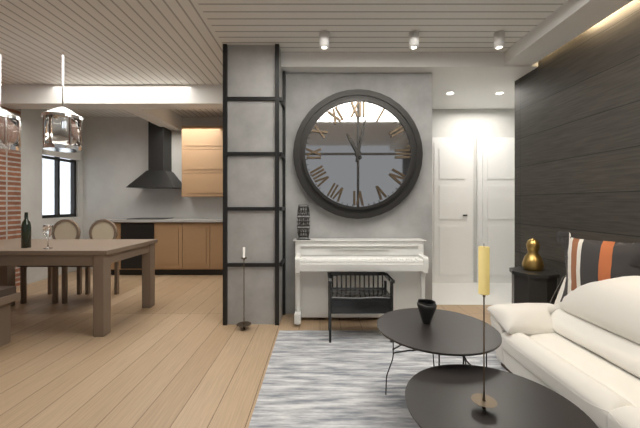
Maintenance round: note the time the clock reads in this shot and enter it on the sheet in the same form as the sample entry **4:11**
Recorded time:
**11:02**
